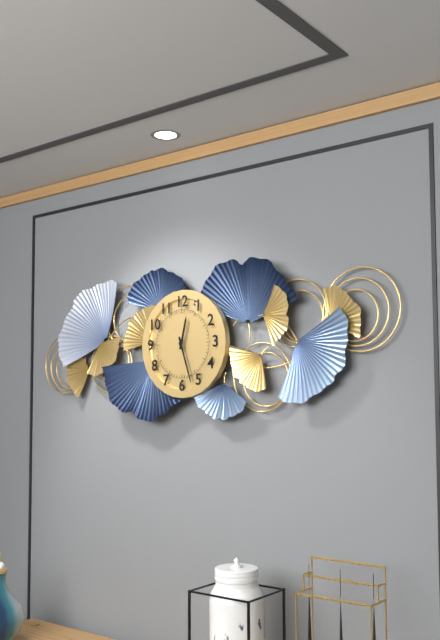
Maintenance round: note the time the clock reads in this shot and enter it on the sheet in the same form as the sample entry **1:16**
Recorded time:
**12:27**
